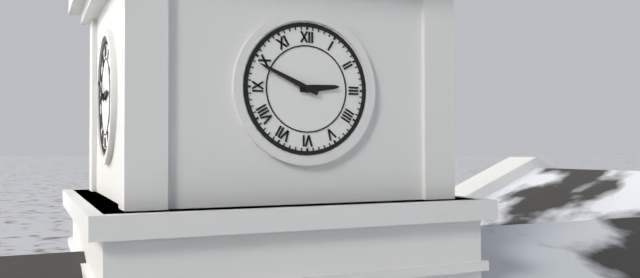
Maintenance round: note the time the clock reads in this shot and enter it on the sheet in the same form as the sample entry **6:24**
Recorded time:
**2:49**
